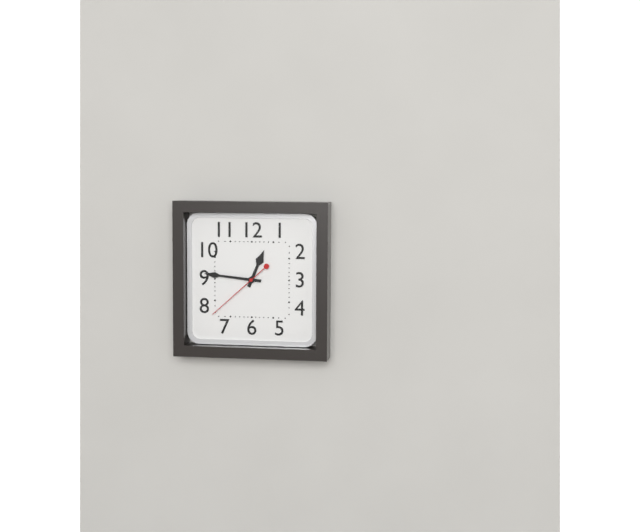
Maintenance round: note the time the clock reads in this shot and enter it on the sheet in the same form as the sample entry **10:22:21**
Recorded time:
**12:46:38**
